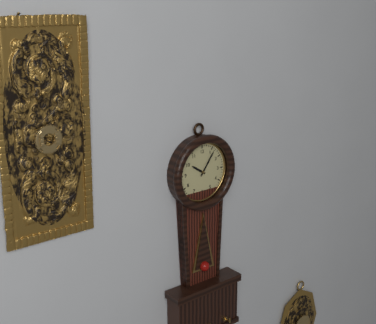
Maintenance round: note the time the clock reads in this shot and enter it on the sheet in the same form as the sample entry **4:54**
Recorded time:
**10:06**
